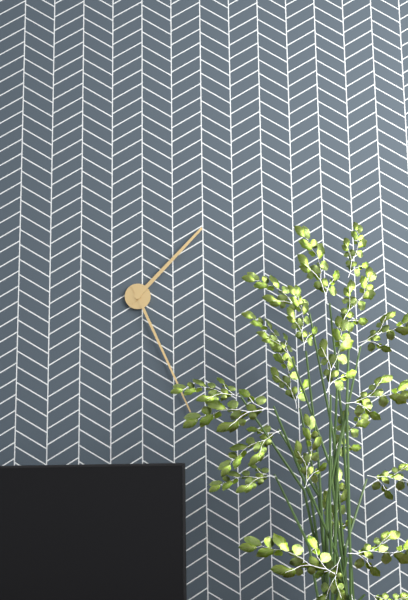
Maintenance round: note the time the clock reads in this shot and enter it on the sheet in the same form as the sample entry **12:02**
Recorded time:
**1:26**
